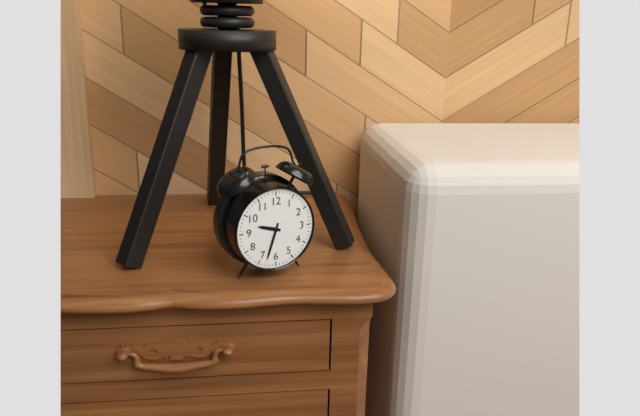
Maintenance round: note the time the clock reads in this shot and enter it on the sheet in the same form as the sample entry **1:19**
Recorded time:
**9:33**
